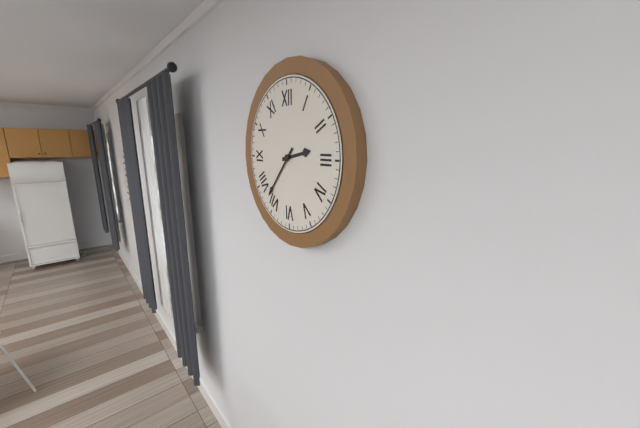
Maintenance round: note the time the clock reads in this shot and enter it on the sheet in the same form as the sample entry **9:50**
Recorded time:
**2:37**
